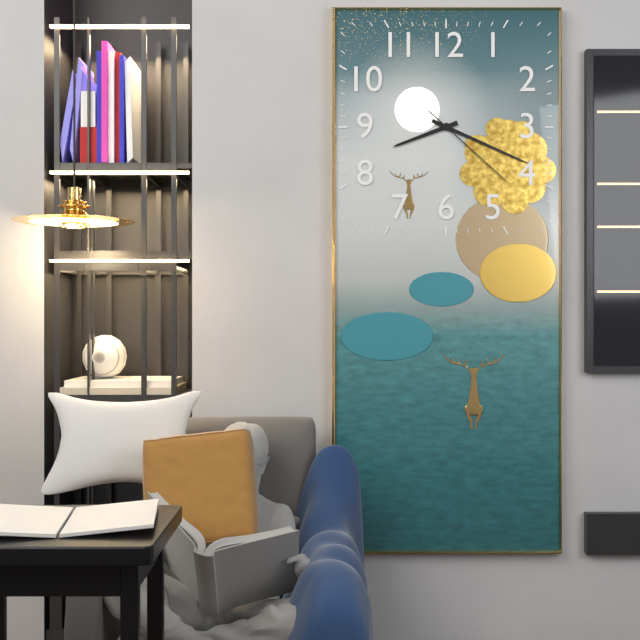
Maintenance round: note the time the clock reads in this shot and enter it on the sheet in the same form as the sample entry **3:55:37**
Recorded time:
**8:19:22**
